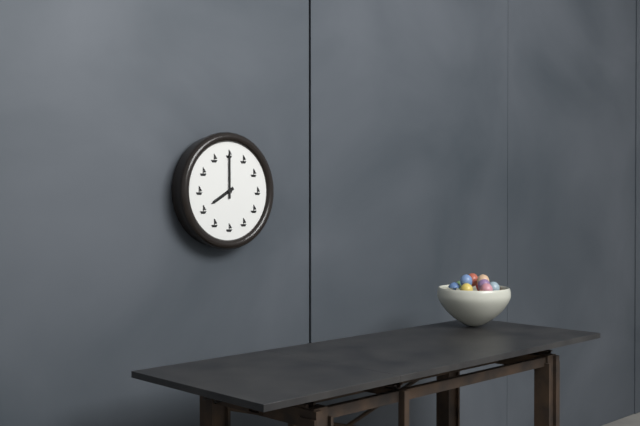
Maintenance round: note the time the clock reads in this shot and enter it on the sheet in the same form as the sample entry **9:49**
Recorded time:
**8:00**
